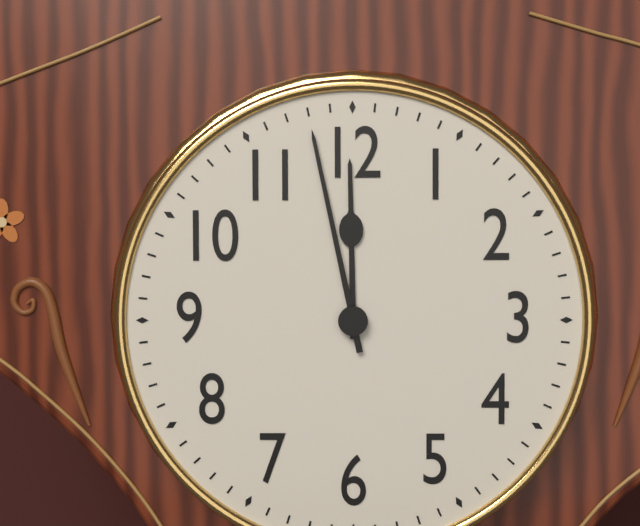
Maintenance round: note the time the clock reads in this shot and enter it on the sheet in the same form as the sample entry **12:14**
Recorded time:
**11:58**
